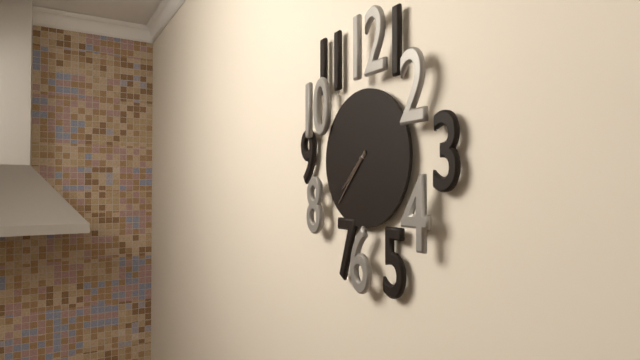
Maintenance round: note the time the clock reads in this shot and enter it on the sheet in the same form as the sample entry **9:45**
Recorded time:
**7:37**
